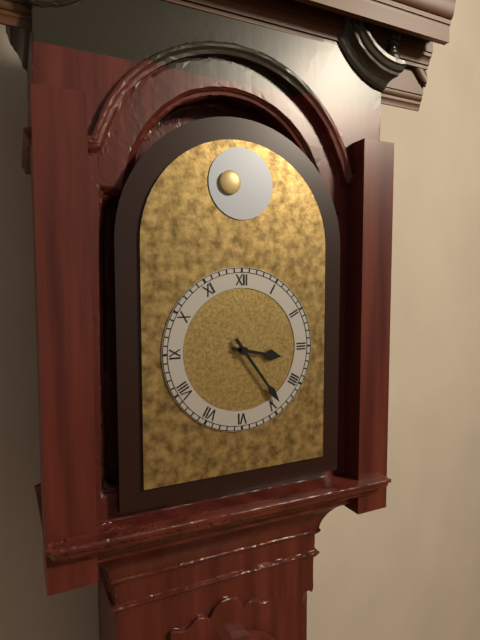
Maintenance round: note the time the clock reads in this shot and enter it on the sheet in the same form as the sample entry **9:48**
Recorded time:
**3:24**
